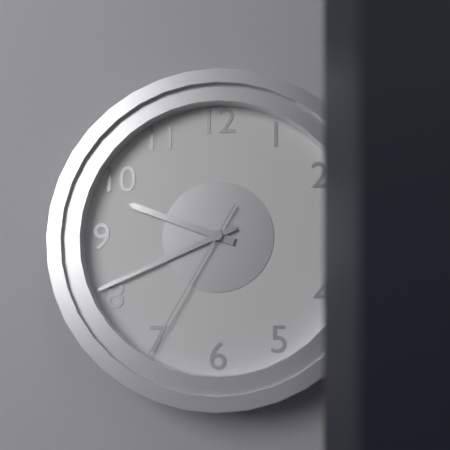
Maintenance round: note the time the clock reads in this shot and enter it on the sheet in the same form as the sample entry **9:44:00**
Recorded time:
**9:41:35**
